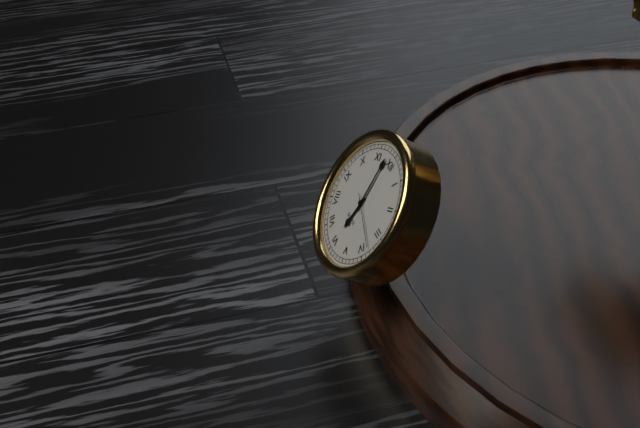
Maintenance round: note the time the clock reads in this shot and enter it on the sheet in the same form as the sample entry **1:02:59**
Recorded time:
**5:58:18**
